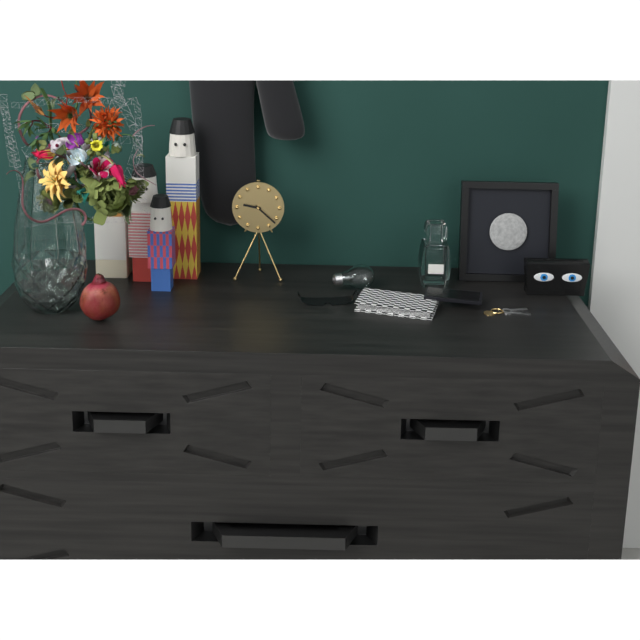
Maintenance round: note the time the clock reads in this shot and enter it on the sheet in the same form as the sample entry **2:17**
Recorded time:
**9:22**
